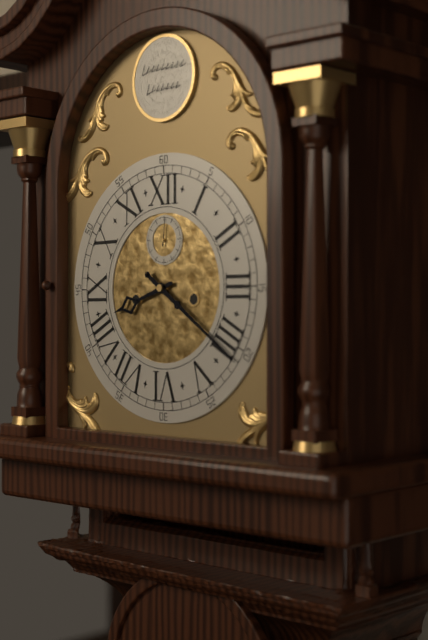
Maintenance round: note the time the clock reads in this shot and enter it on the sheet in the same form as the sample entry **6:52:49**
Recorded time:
**8:21:01**
